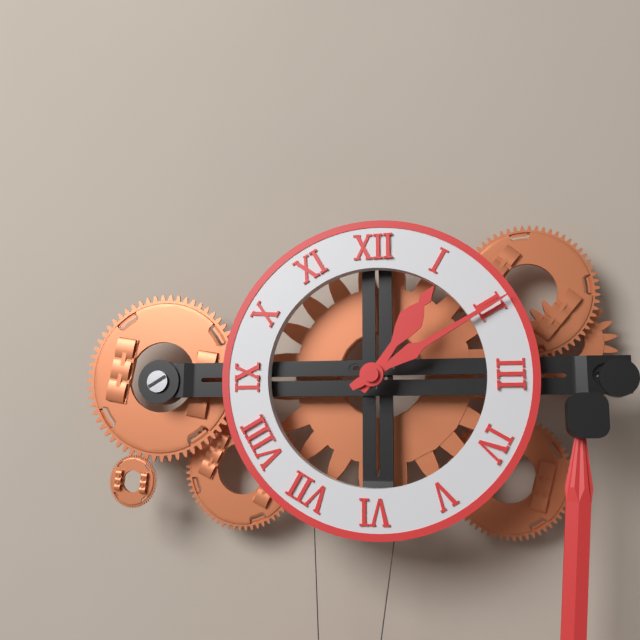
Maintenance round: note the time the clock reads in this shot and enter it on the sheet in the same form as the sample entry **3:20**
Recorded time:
**1:10**
